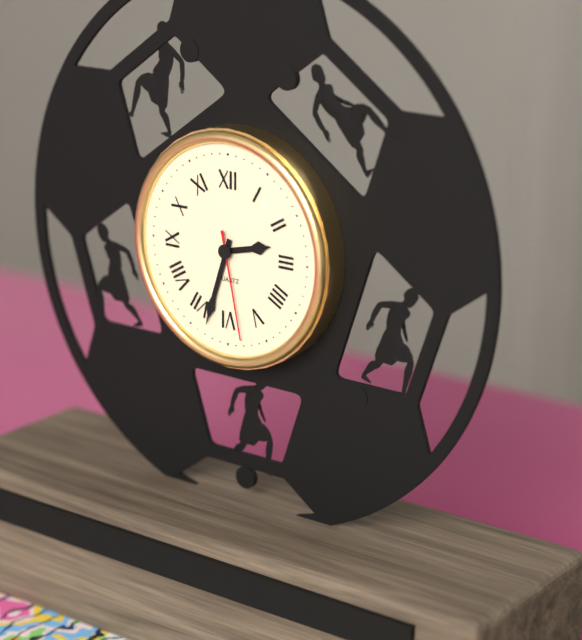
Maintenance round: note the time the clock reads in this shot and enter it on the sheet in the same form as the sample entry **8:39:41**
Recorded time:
**2:33:28**
